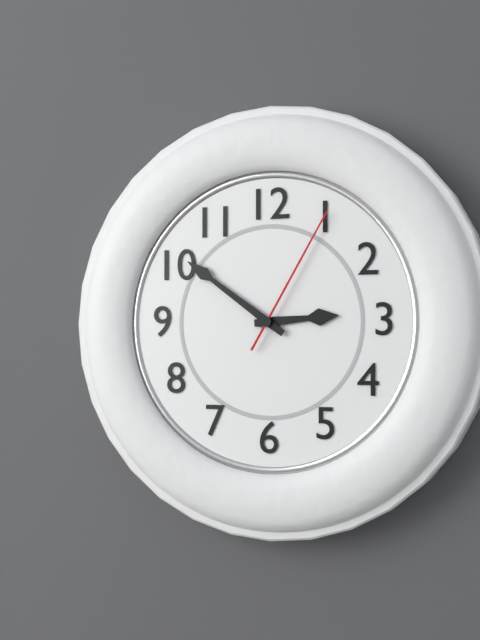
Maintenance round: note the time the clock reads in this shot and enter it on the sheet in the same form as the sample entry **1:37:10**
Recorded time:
**2:51:05**
